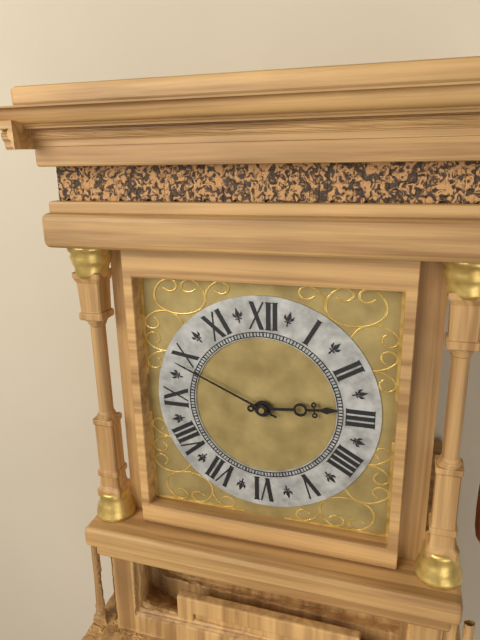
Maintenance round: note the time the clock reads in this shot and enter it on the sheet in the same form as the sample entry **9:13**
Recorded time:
**2:49**
